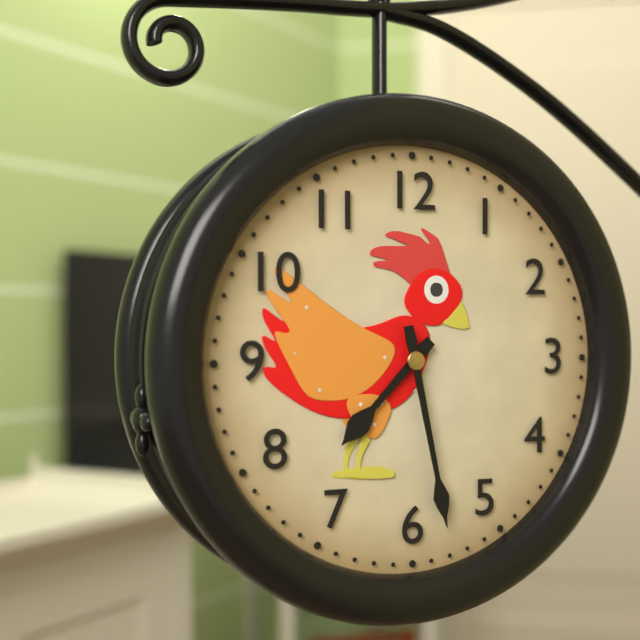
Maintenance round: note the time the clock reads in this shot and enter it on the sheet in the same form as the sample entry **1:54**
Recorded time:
**7:28**
